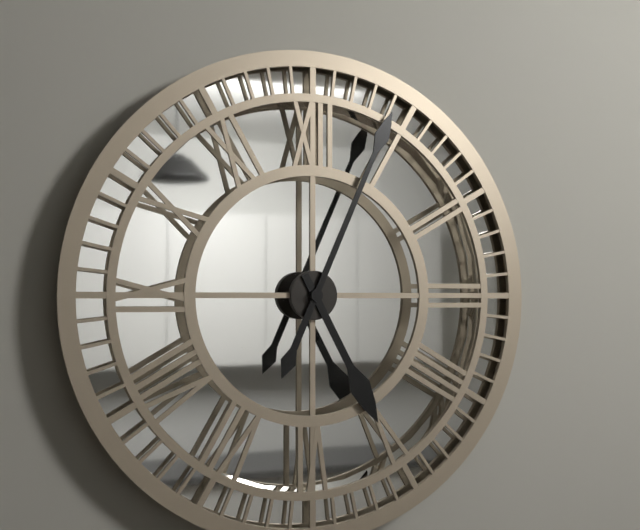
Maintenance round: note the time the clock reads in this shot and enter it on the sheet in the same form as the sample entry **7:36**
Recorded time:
**5:04**
